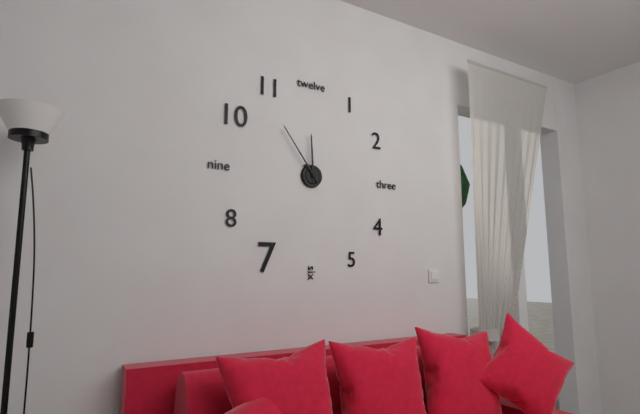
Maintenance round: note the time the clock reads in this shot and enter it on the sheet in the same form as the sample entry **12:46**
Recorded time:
**11:54**
